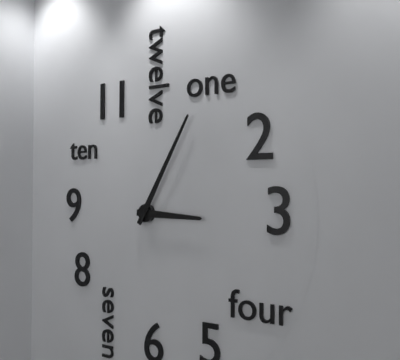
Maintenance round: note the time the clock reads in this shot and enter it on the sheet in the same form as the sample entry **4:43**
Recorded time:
**3:05**
